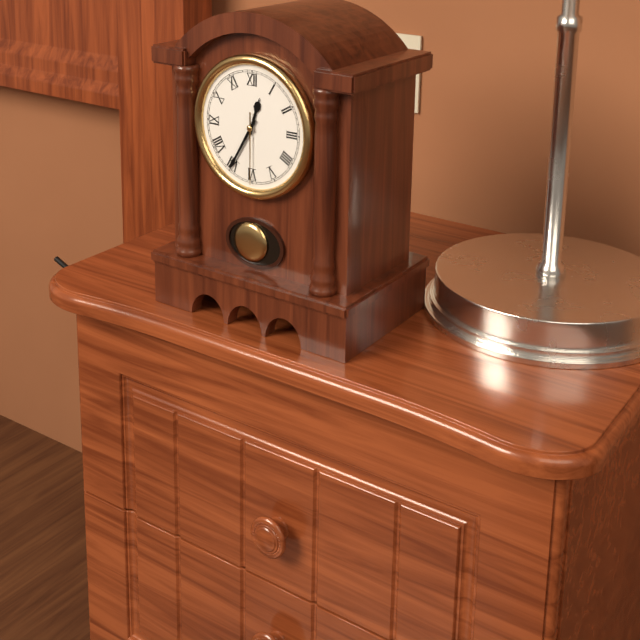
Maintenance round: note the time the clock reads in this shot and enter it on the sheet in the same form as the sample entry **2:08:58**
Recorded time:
**12:35:30**
